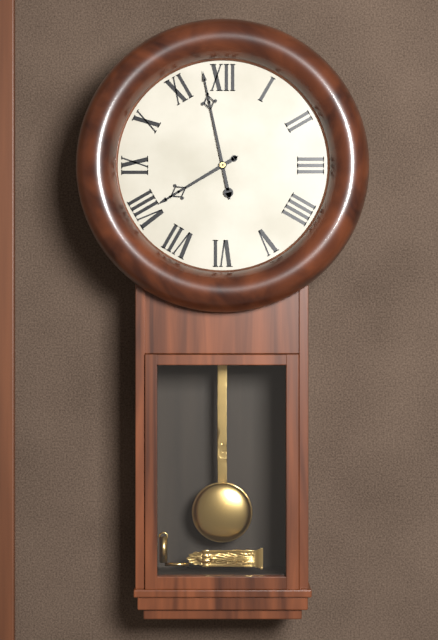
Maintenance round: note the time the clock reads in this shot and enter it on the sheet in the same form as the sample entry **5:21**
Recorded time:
**7:58**
